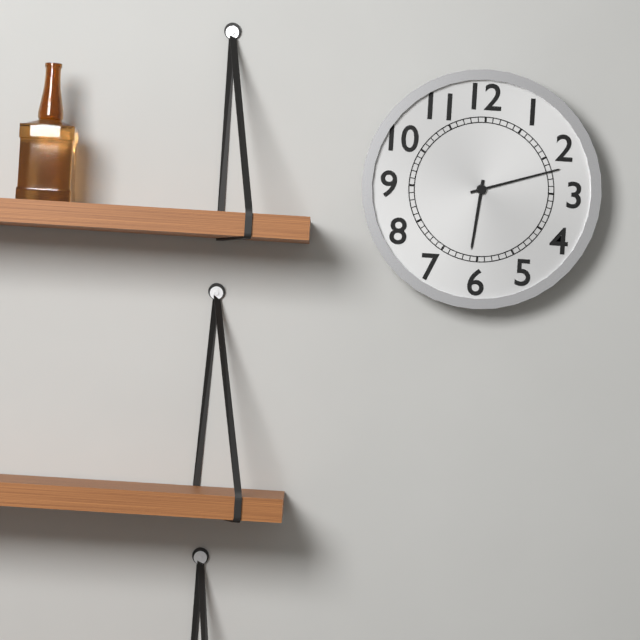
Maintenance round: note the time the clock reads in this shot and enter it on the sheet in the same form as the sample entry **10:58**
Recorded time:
**6:12**
